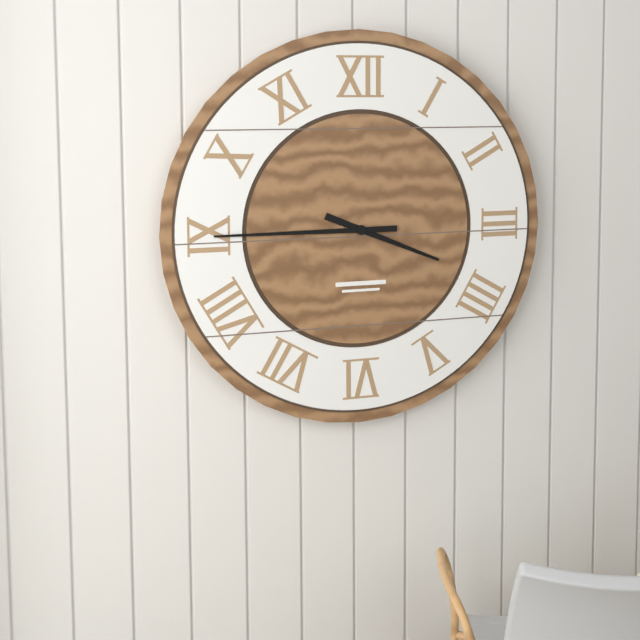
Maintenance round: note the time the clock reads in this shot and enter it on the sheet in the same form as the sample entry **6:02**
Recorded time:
**3:45**
